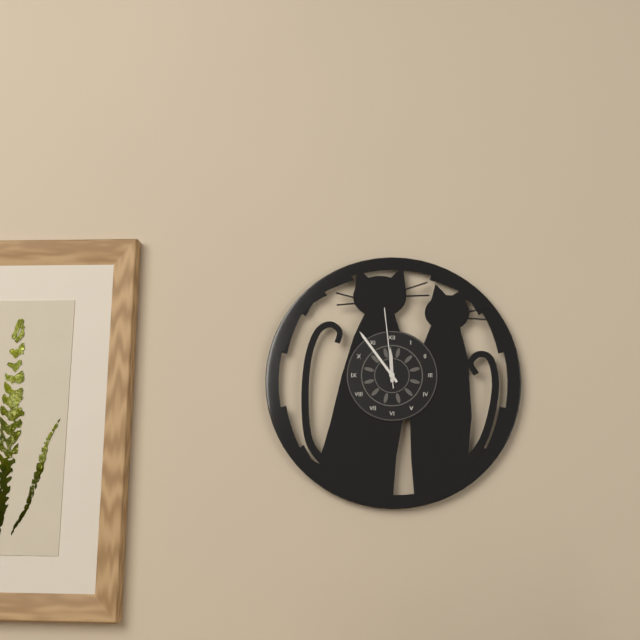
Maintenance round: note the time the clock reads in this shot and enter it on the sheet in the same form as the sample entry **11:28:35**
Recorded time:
**11:54:59**
